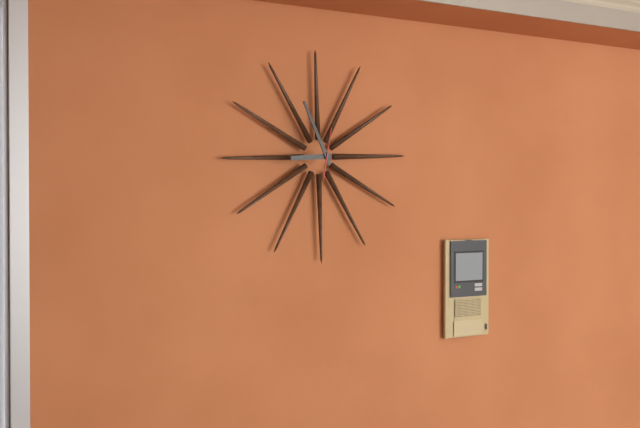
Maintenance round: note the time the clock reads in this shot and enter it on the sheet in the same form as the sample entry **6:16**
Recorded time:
**8:56**
